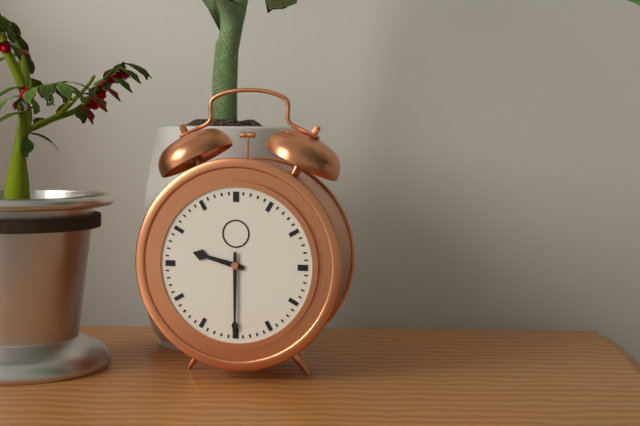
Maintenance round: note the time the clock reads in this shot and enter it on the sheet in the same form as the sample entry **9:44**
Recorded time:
**9:30**
